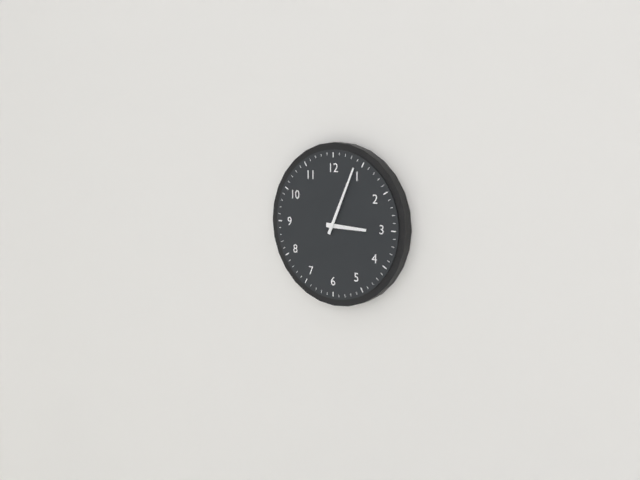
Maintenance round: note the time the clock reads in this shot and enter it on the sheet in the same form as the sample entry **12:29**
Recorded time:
**3:04**
